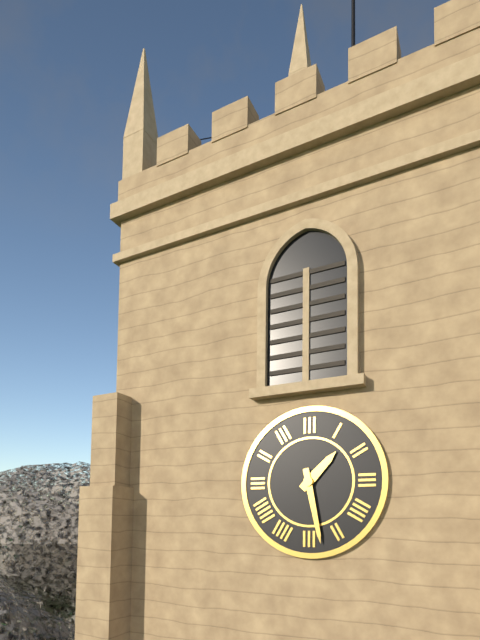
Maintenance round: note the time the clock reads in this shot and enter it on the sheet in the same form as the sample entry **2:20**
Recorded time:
**1:28**
